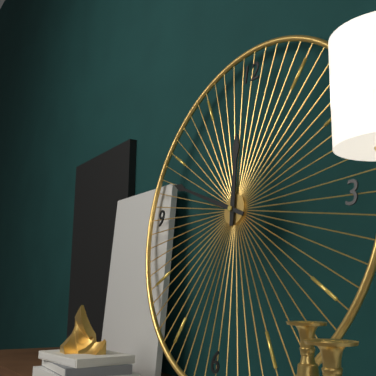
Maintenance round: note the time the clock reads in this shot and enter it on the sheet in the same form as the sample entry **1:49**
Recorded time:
**11:48**
